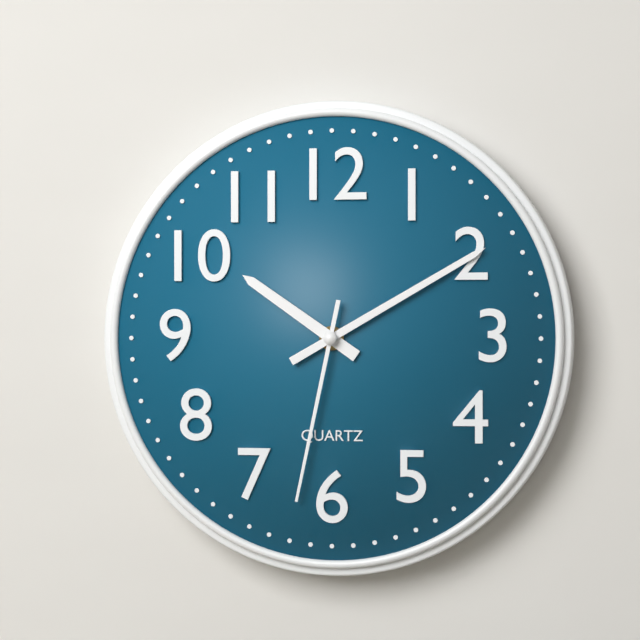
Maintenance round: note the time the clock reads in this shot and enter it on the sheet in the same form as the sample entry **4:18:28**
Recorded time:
**10:10:32**
